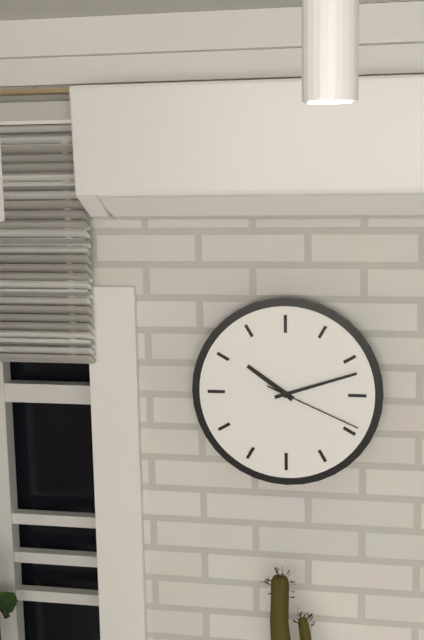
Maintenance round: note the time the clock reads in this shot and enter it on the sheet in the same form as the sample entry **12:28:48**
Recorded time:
**10:12:19**
